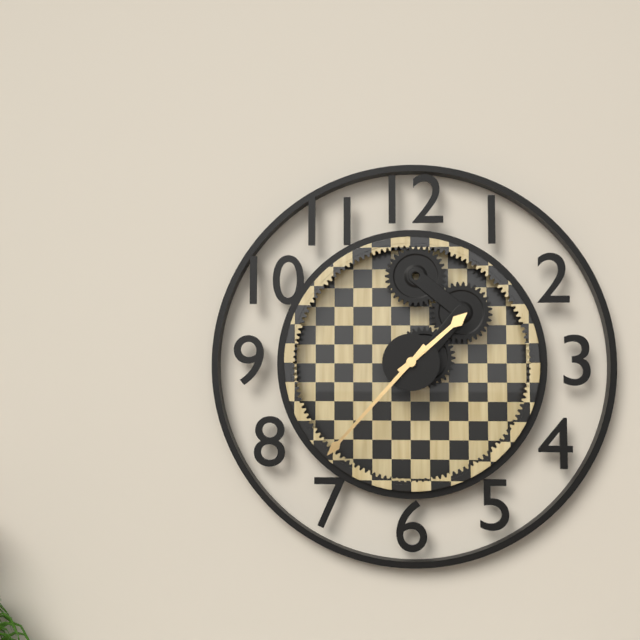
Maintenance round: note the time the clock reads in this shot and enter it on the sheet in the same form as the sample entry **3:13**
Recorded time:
**1:37**
